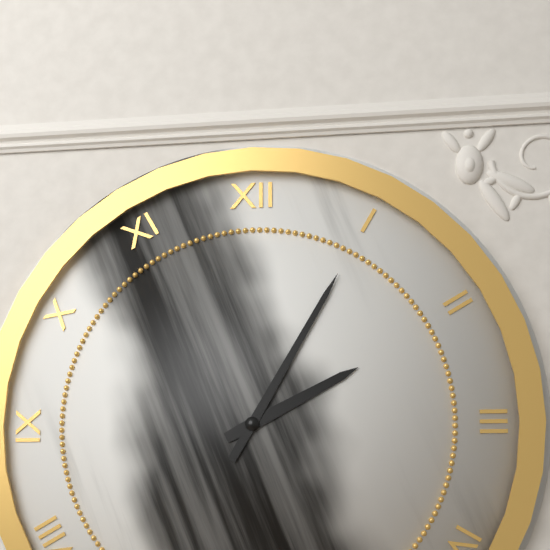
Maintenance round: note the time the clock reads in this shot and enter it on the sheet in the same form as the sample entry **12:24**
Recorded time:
**2:05**
